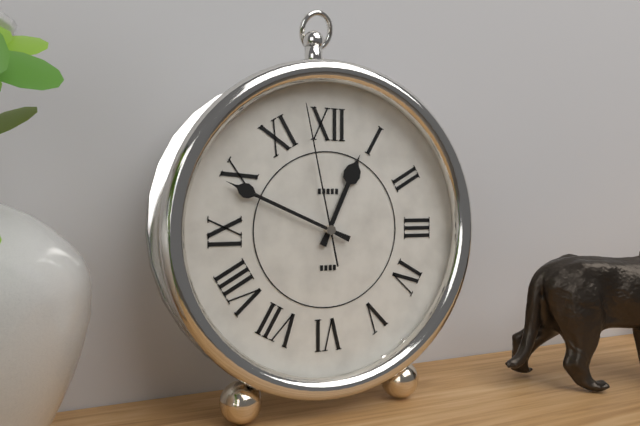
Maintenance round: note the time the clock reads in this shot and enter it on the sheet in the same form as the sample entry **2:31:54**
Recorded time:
**12:49:58**
